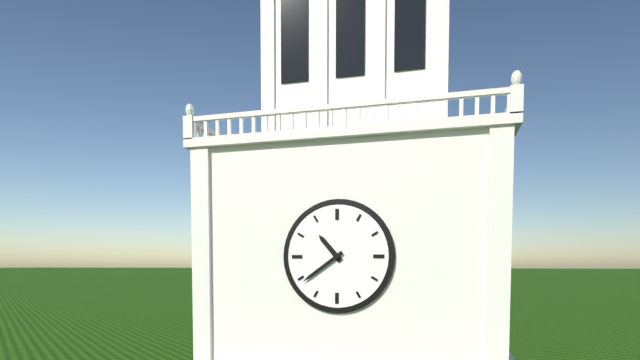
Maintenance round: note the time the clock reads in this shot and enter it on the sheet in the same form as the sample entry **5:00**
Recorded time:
**10:39**
